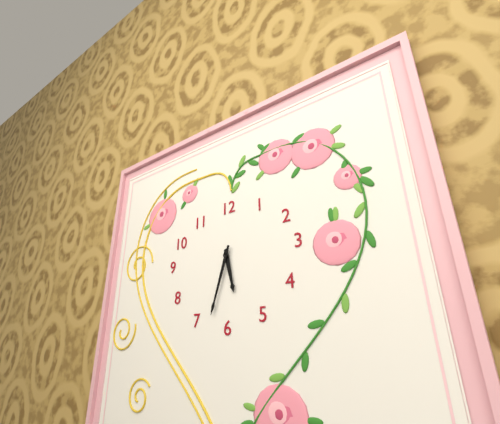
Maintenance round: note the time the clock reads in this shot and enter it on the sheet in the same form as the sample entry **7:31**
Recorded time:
**5:33**
